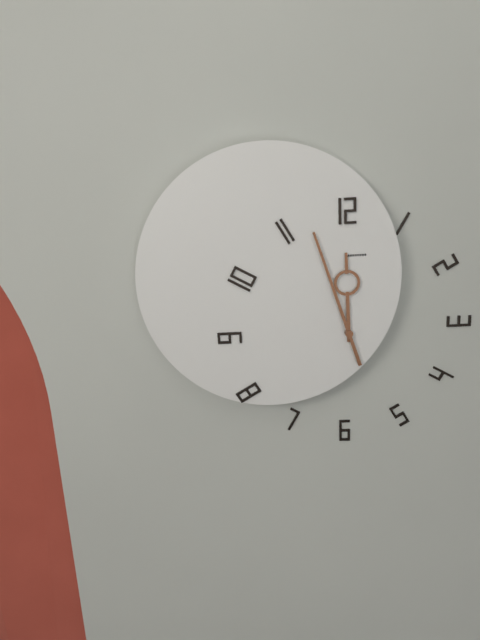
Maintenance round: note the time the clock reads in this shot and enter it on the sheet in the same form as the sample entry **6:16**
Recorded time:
**11:57**
